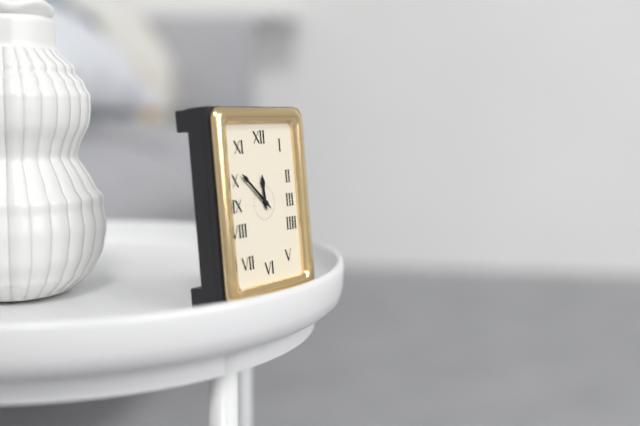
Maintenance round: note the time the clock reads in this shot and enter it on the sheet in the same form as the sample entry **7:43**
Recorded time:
**11:52**
